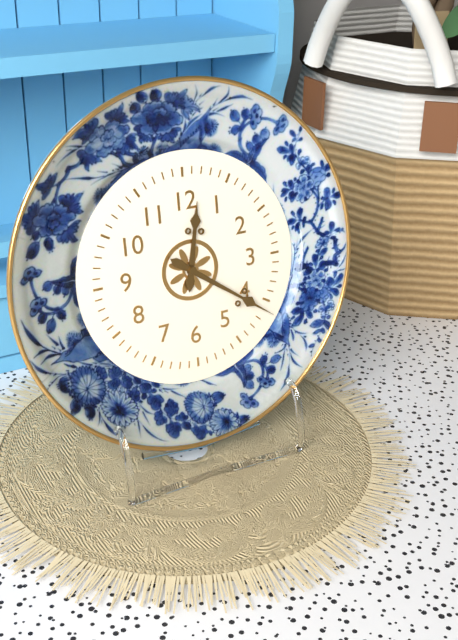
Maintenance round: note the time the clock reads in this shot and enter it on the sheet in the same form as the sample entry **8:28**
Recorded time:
**12:21**
